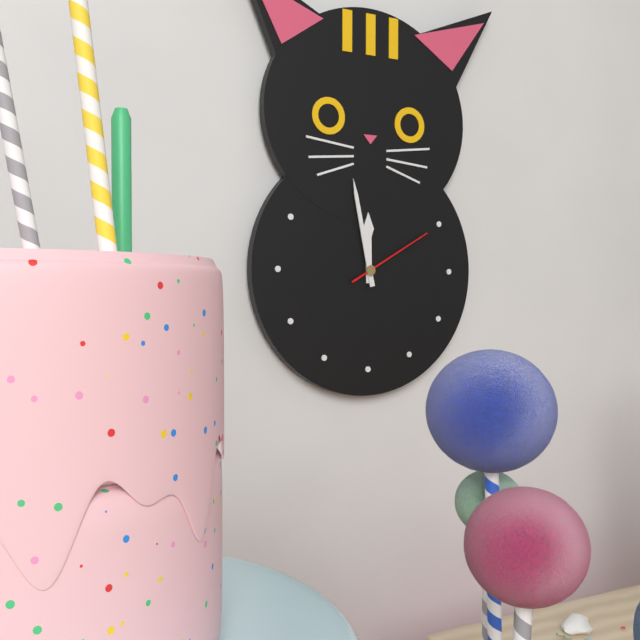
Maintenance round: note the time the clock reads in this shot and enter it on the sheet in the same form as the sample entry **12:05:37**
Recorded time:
**11:58:10**
